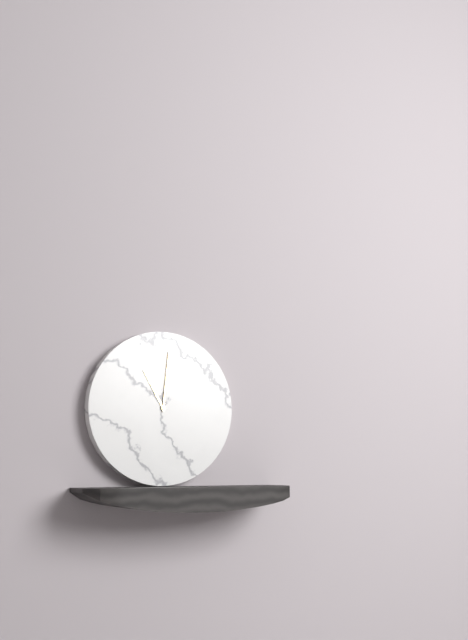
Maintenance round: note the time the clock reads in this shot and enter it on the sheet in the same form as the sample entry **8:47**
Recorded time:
**11:01**
